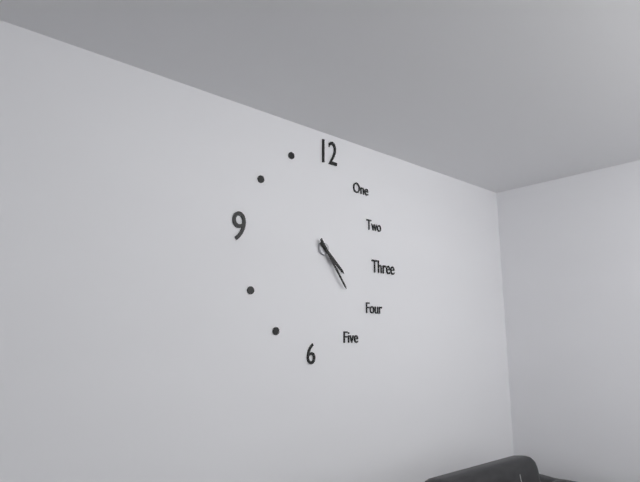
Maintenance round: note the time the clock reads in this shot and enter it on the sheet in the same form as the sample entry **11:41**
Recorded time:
**4:24**
